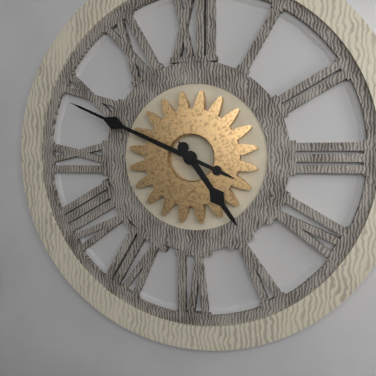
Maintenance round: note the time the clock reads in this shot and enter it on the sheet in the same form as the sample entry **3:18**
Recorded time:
**4:49**
